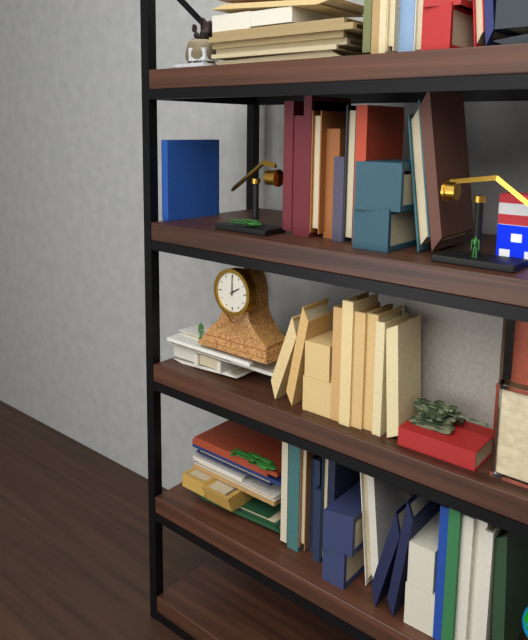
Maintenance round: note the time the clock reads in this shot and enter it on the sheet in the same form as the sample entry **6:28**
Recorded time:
**2:00**
